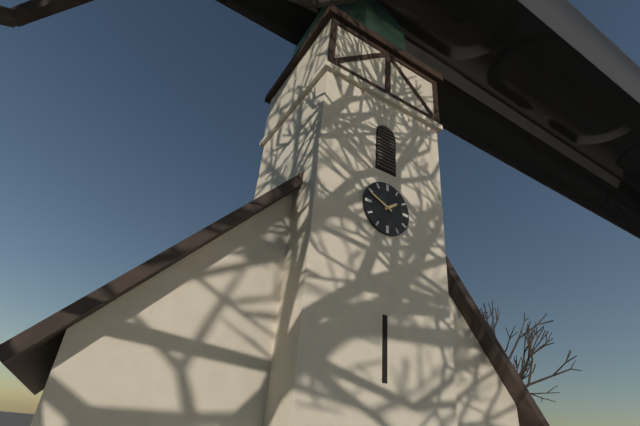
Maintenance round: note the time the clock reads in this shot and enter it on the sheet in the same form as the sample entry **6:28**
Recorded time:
**1:49**
